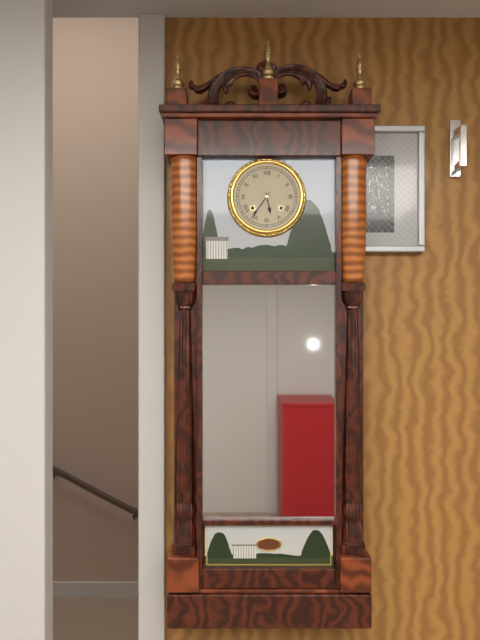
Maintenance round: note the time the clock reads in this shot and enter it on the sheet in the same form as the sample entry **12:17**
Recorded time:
**5:36**
